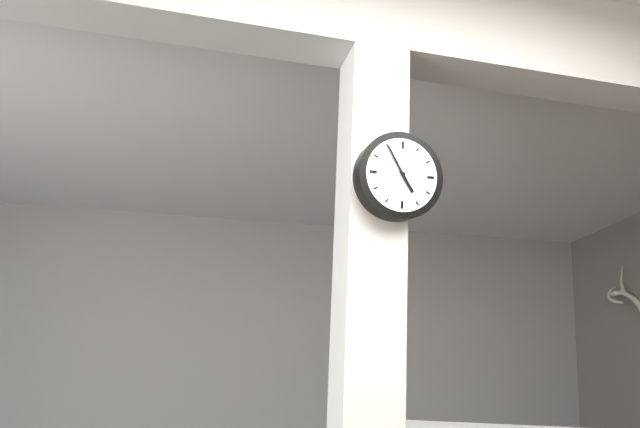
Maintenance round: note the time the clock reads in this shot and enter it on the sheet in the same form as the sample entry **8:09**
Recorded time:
**4:55**
